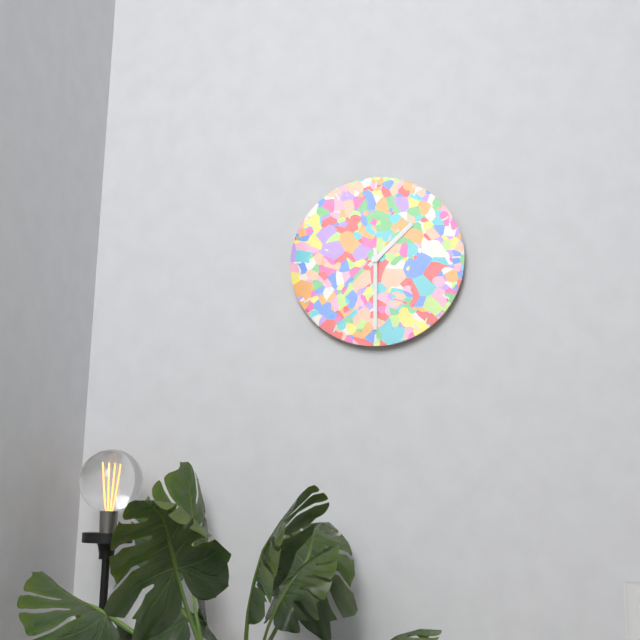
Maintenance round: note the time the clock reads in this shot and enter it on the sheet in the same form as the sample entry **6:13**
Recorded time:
**1:30**
